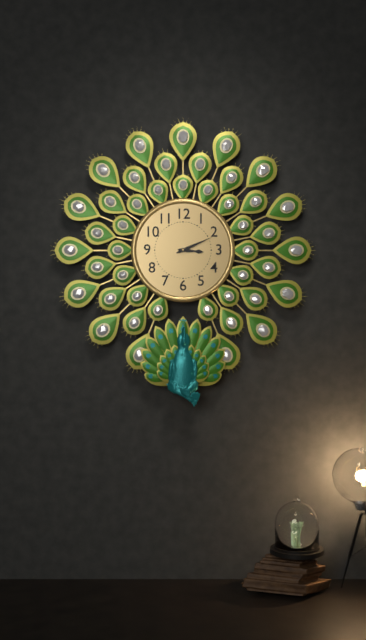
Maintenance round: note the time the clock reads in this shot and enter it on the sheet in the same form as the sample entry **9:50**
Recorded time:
**3:11**
